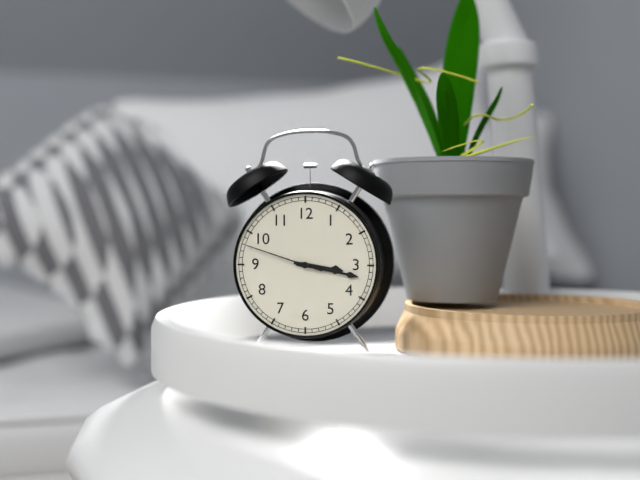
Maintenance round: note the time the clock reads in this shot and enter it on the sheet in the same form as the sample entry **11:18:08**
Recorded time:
**3:17:48**
